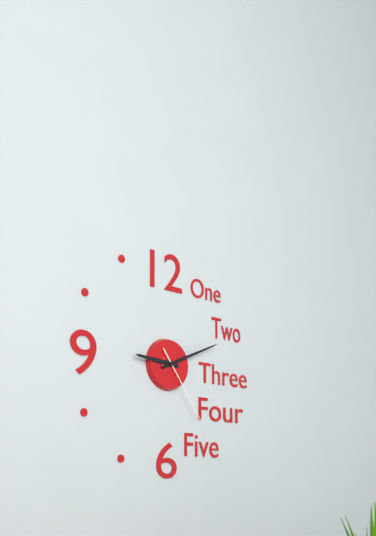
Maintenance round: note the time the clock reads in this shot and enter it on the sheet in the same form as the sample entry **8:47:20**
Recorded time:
**9:11:24**
